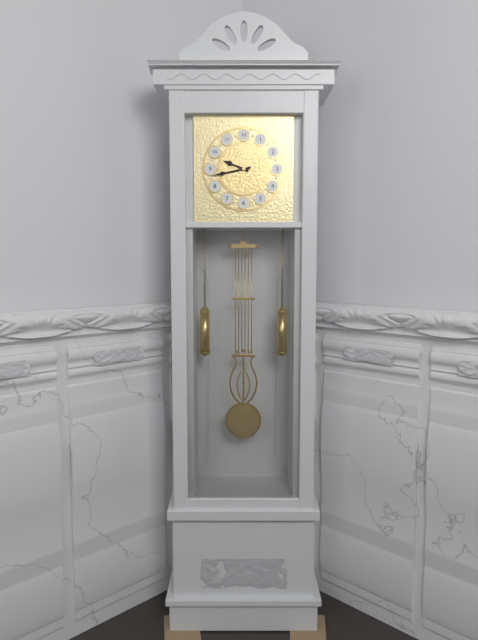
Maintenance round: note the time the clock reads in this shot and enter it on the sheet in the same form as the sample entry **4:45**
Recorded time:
**9:43**
